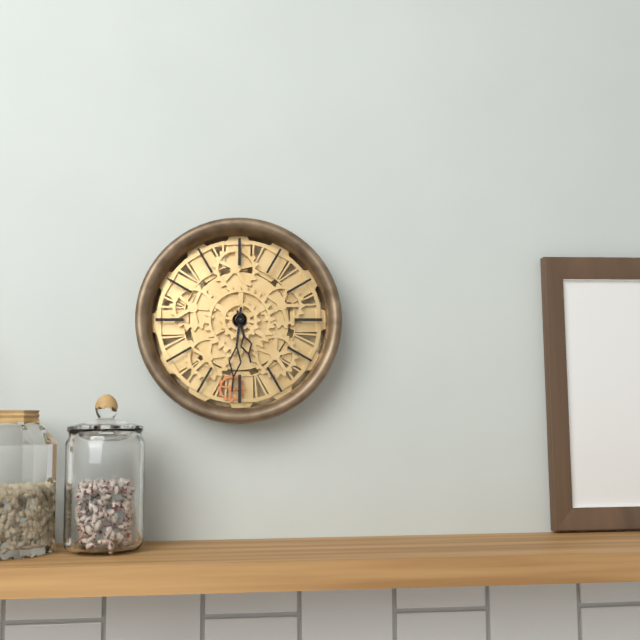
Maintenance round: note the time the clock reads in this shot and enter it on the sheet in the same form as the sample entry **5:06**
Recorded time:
**5:31**
